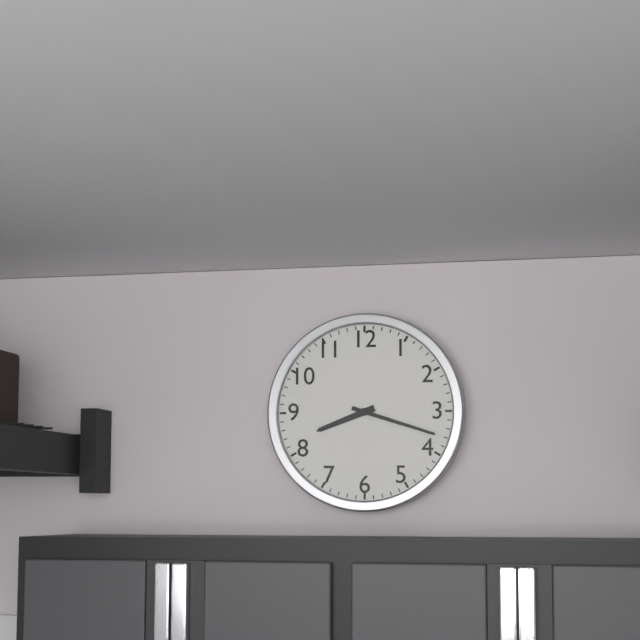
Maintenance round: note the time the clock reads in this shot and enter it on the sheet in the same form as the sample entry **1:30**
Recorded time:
**8:18**
